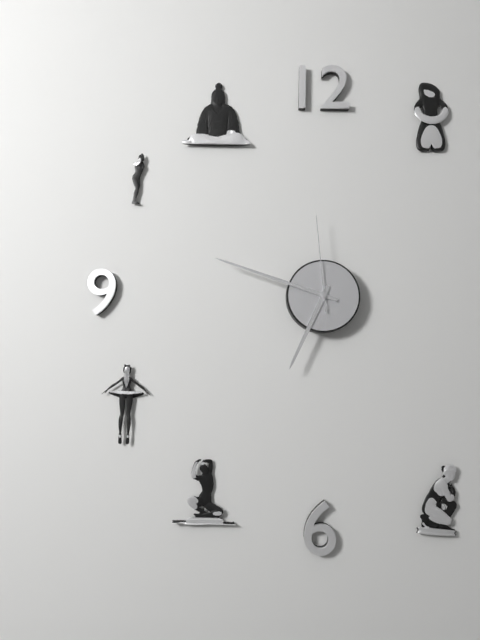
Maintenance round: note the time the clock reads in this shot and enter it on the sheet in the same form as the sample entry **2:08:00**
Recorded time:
**6:48:59**
